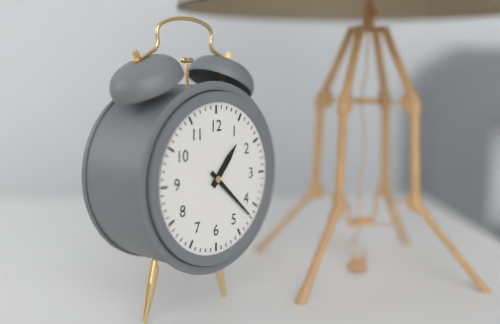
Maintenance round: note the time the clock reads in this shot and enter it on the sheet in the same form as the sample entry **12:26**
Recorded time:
**1:22**
